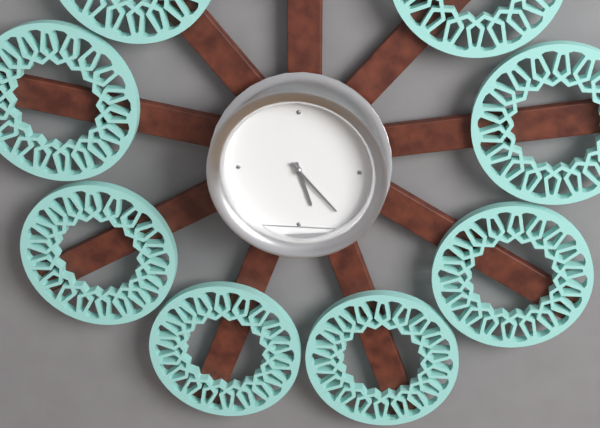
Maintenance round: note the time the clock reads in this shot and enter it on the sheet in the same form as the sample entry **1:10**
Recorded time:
**5:23**
